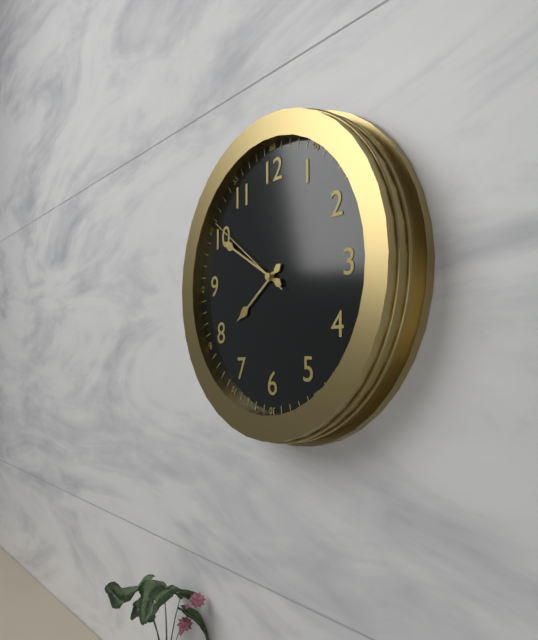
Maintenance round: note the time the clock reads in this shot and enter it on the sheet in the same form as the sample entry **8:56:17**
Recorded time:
**7:50:51**
